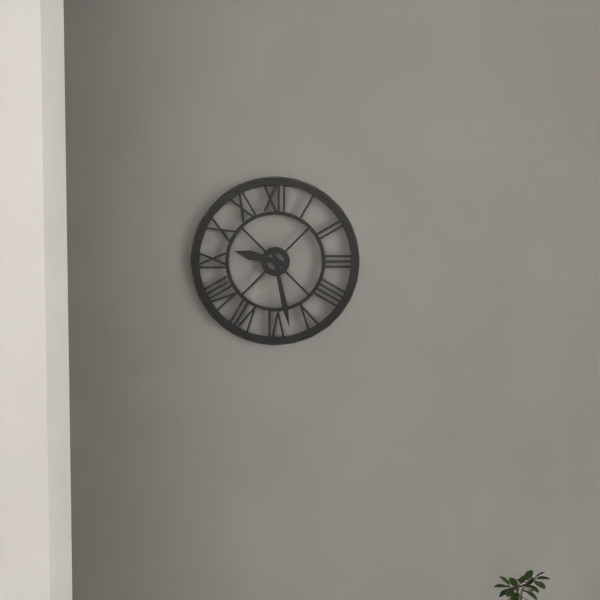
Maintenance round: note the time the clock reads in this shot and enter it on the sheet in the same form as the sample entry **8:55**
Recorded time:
**9:28**
